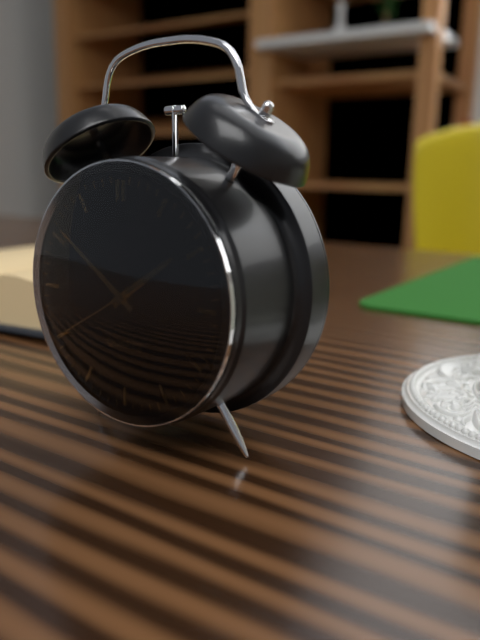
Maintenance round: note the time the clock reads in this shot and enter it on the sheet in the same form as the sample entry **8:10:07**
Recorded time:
**1:51:40**
